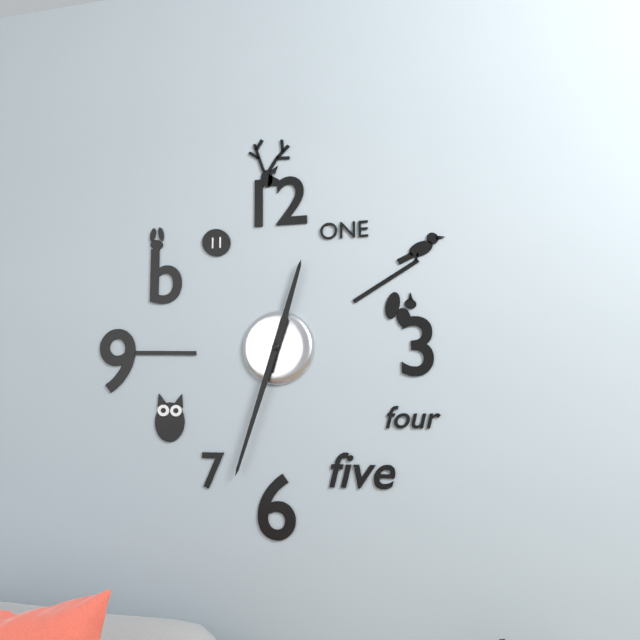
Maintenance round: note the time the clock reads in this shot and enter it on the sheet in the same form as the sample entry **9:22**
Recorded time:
**12:33**
